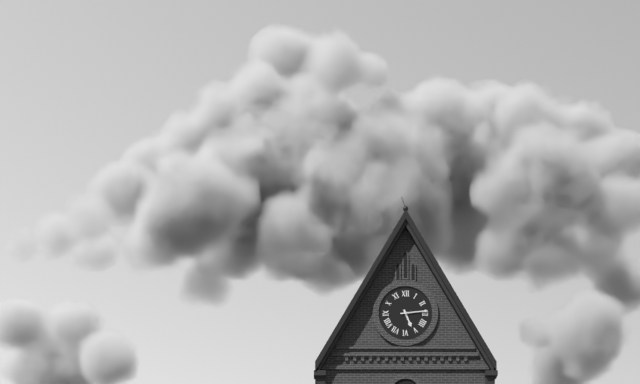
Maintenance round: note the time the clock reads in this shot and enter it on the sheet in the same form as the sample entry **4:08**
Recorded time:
**5:14**
